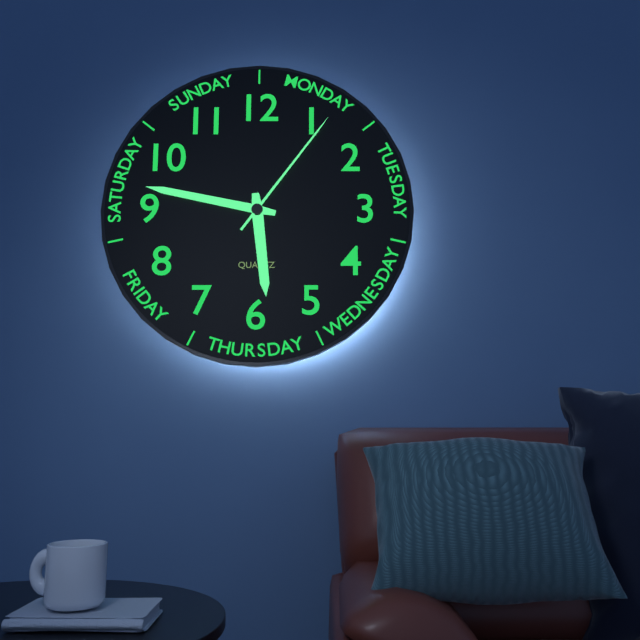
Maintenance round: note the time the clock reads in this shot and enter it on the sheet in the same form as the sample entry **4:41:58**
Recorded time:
**5:47:06**
